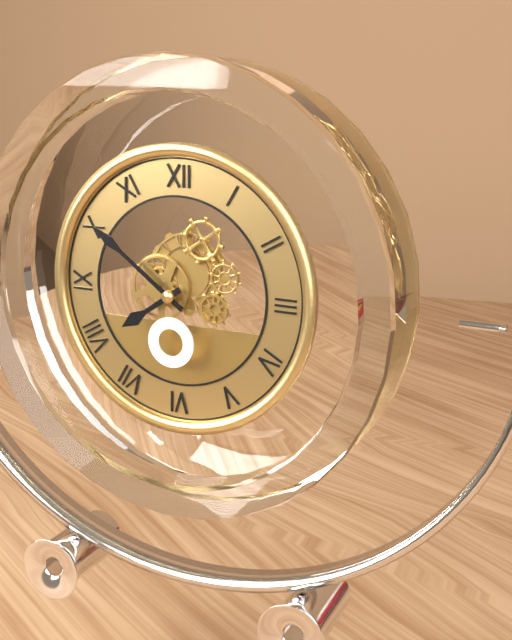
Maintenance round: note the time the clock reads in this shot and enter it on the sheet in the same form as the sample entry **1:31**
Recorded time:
**7:51**
